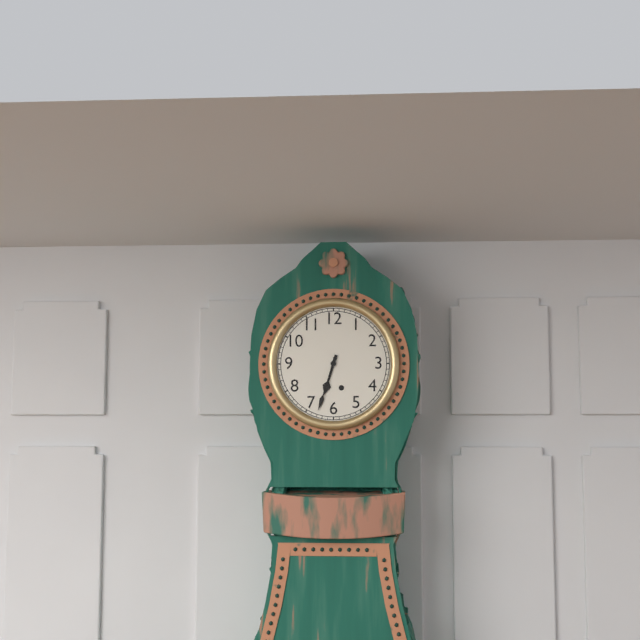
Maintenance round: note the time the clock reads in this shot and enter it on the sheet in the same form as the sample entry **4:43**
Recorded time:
**6:33**
